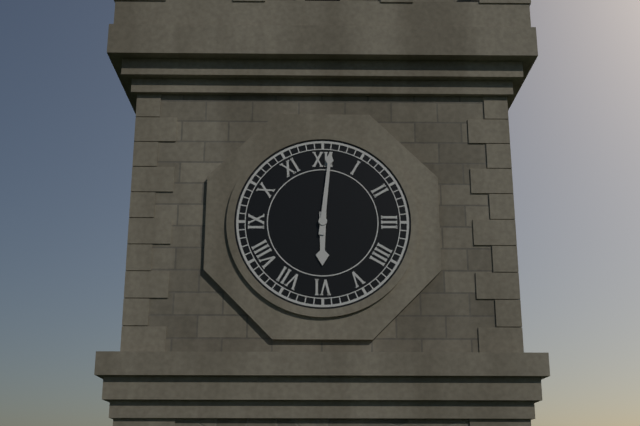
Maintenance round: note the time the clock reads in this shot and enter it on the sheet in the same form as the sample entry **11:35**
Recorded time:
**6:01**
